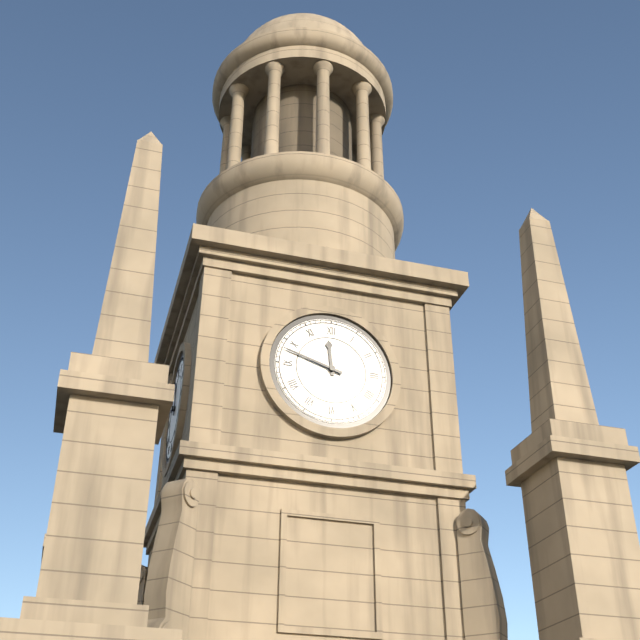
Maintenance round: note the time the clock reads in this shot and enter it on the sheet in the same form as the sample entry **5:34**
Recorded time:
**11:48**
